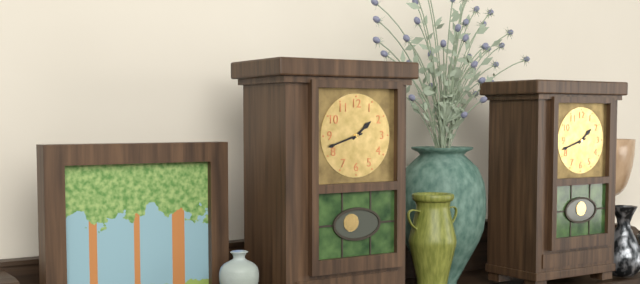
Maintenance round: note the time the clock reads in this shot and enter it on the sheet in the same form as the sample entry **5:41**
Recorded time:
**1:42**
